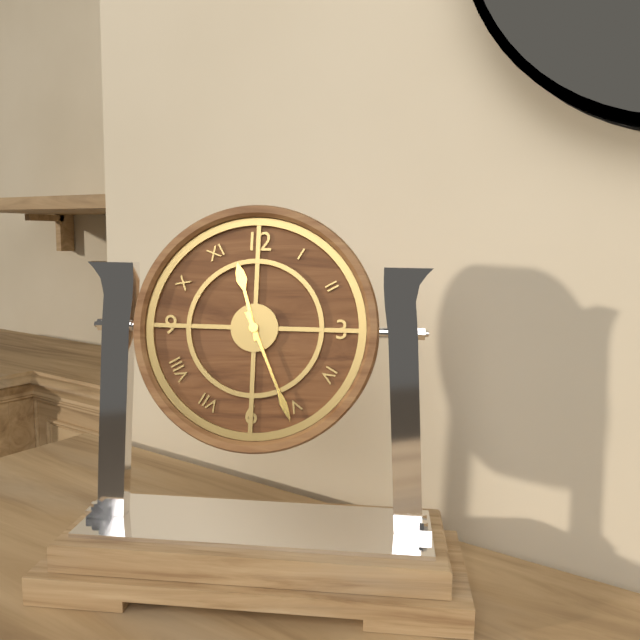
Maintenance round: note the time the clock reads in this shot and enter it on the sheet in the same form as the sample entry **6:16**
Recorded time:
**11:26**
